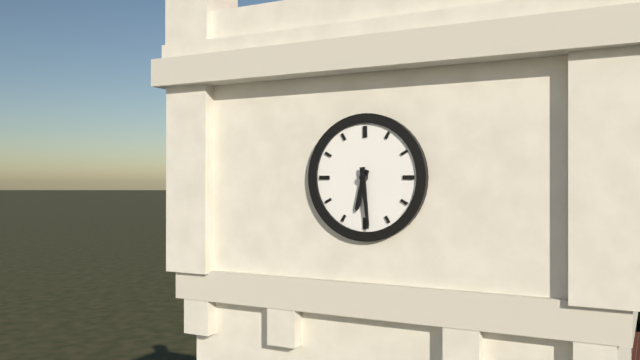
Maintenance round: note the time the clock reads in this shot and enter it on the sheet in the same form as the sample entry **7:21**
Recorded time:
**6:29**
